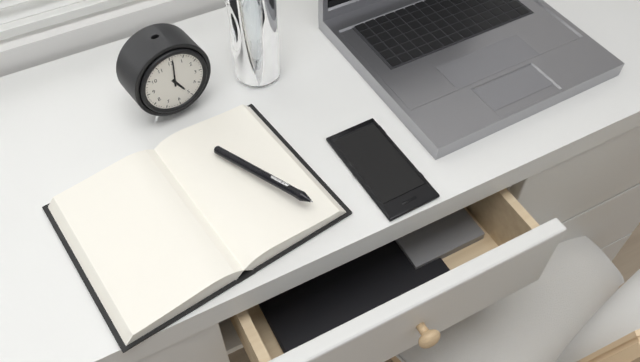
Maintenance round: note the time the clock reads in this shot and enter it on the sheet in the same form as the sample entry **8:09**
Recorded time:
**5:01**
